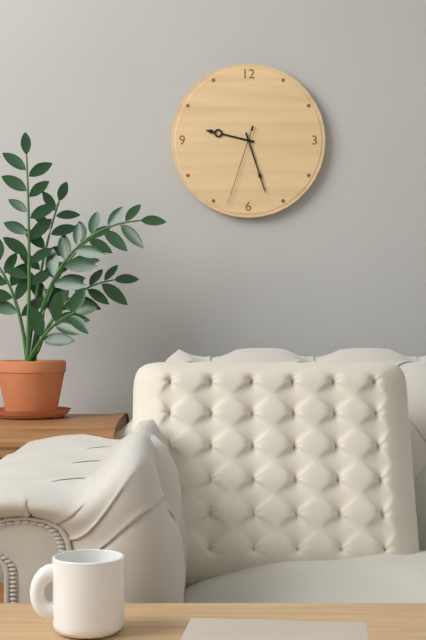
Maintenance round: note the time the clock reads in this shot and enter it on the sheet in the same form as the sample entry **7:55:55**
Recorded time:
**9:27:33**
